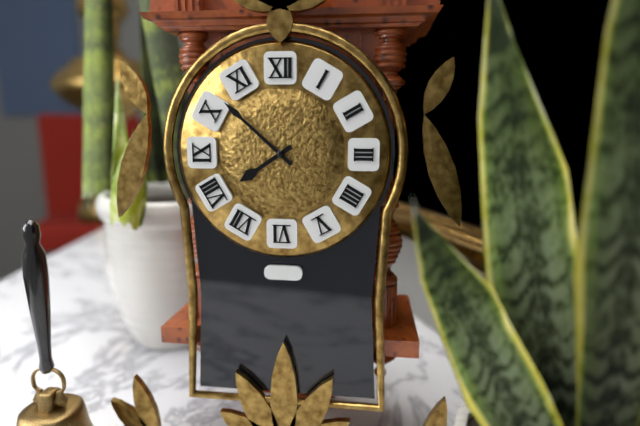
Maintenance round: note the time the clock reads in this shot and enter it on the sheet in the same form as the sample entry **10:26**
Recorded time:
**7:52**
